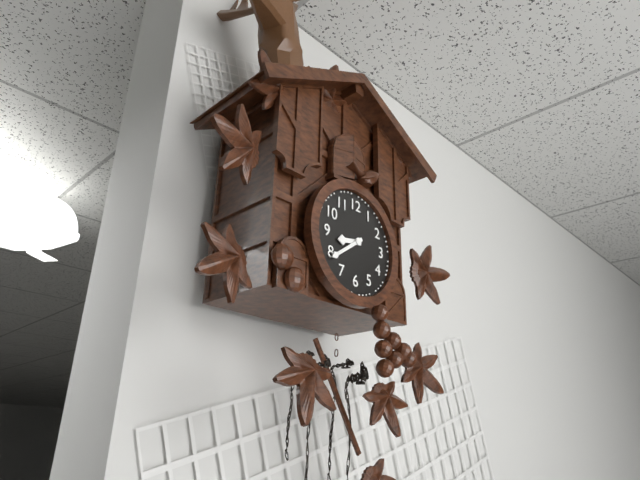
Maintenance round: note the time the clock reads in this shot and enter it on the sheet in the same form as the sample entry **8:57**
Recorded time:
**8:39**
